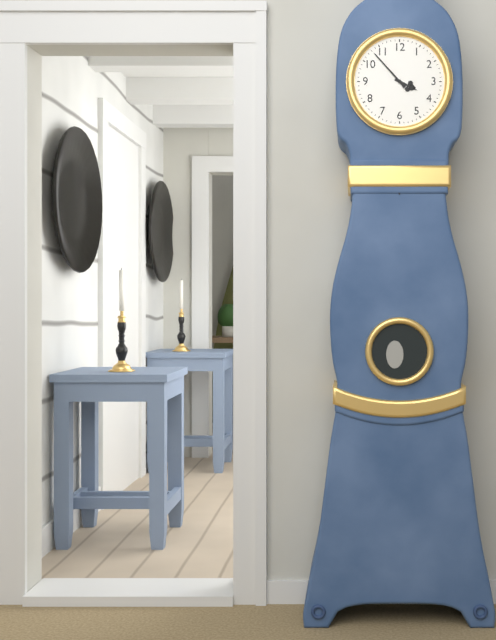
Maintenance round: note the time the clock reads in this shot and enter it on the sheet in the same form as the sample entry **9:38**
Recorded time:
**3:53**
